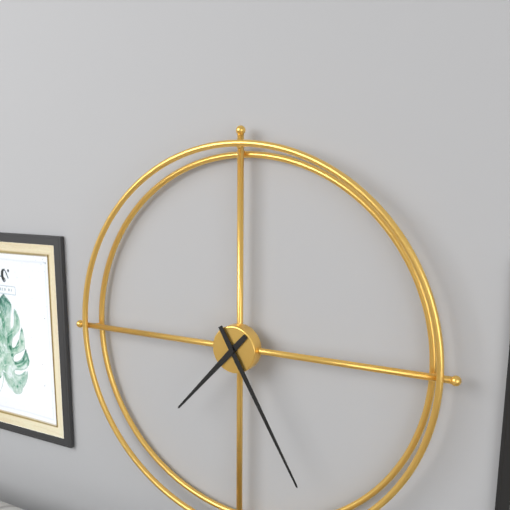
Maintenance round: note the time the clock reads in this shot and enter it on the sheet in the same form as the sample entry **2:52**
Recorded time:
**7:25**
